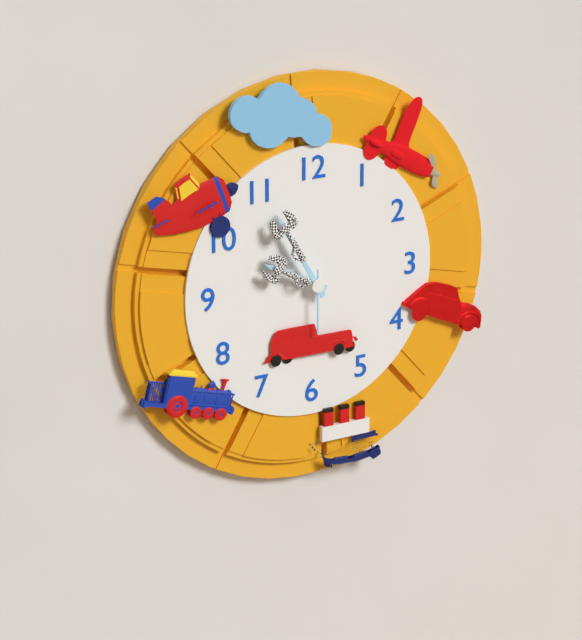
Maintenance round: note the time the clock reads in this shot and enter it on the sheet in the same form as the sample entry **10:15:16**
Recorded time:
**9:55:30**
